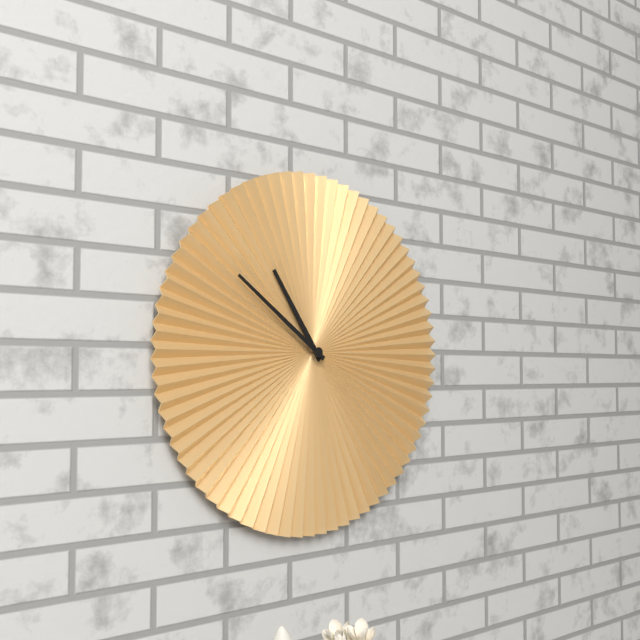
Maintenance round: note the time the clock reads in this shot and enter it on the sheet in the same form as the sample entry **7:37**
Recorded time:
**10:51**
